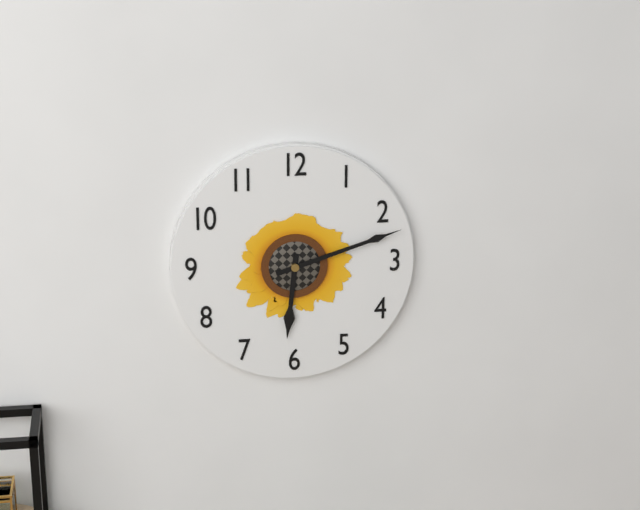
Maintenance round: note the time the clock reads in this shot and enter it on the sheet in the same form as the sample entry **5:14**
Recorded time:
**6:12**
